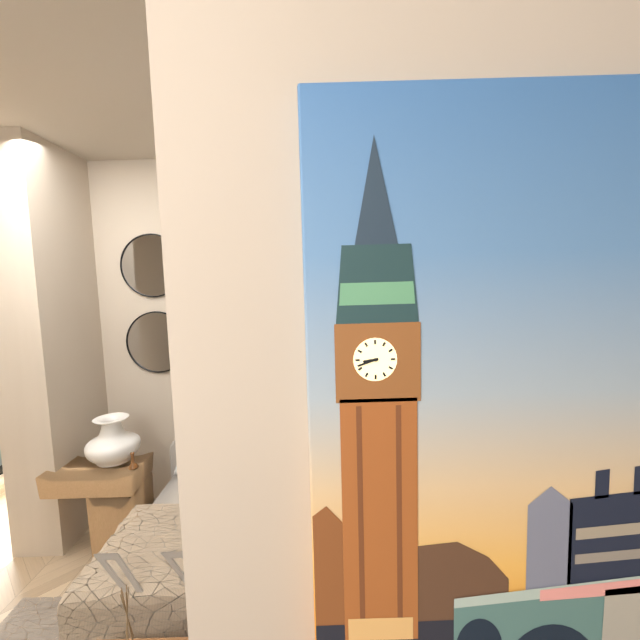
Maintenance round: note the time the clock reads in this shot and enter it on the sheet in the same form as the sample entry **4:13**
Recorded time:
**8:42**
